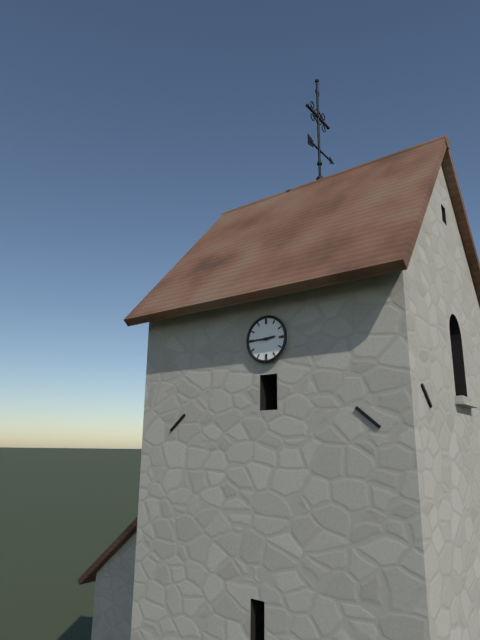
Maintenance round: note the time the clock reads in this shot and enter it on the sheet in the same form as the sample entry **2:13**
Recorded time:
**2:45**
